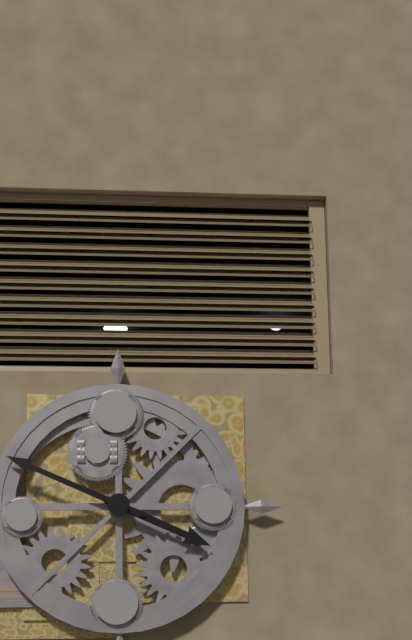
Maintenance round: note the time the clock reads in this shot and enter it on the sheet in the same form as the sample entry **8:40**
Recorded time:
**3:49**
